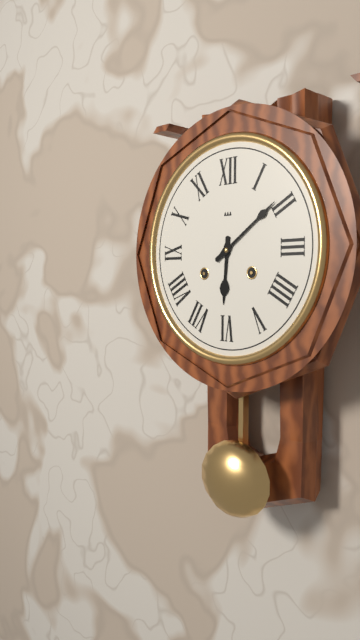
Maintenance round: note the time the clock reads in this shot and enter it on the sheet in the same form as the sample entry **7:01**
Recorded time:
**6:09**
